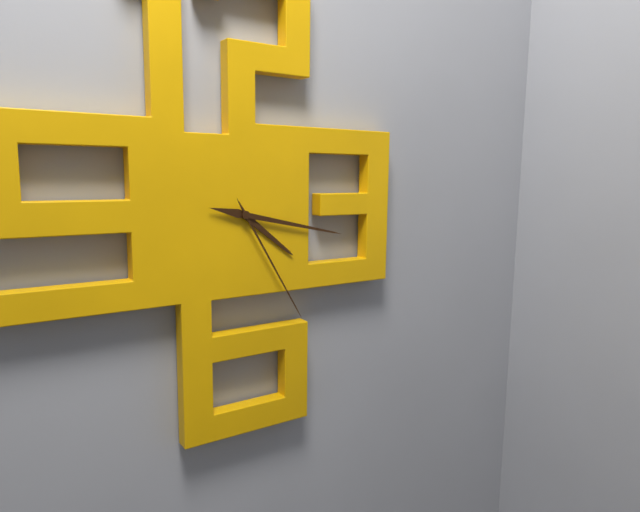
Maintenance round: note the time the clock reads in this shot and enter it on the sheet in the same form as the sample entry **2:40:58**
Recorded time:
**4:17:25**
